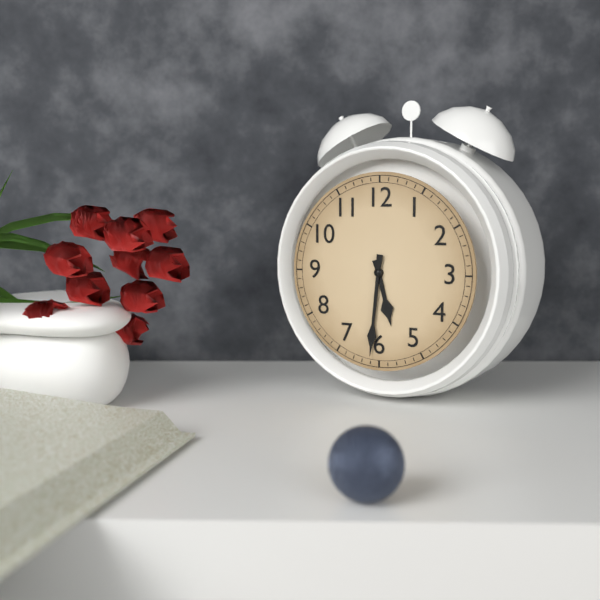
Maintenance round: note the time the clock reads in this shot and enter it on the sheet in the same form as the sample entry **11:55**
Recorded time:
**5:31**
